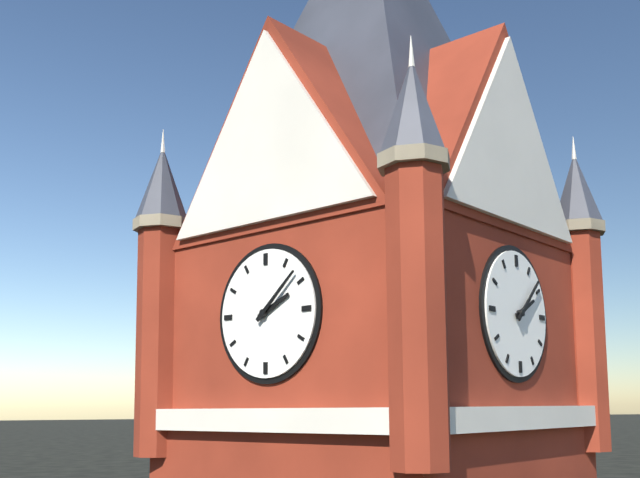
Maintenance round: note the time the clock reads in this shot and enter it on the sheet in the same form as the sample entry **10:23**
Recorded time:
**2:08**
